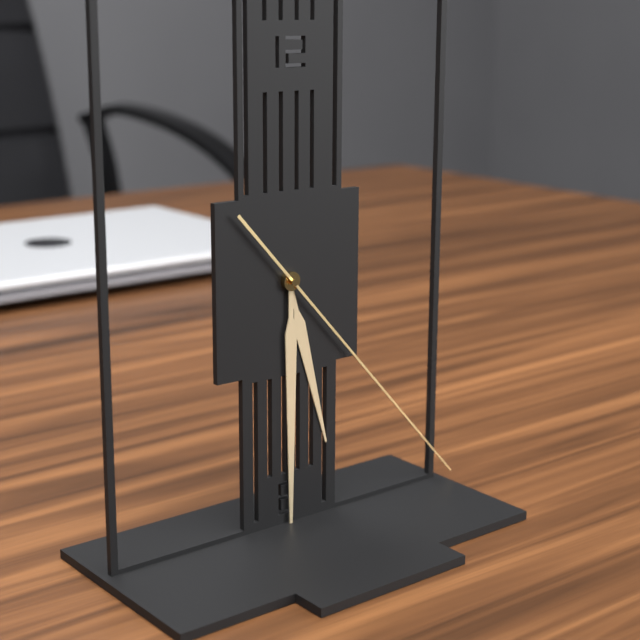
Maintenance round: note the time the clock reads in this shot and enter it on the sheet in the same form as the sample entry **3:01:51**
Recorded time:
**5:30:23**
